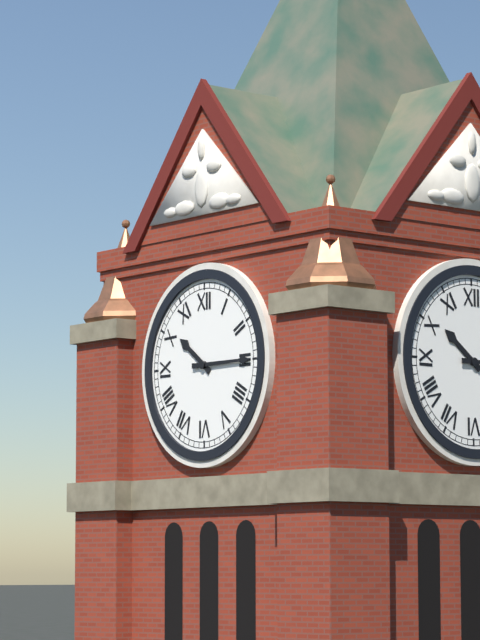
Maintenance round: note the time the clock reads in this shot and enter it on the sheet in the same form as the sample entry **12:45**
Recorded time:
**10:15**
